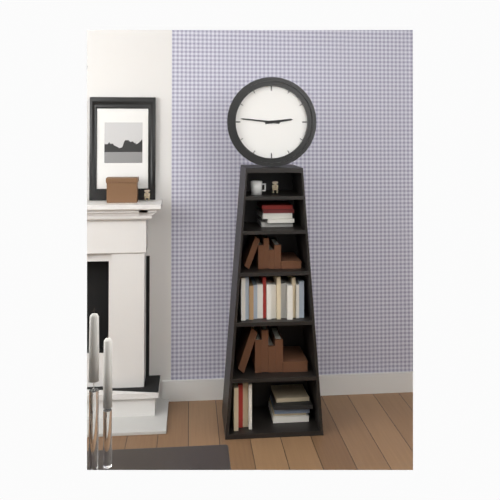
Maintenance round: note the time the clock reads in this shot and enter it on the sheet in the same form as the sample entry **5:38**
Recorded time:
**2:46**
